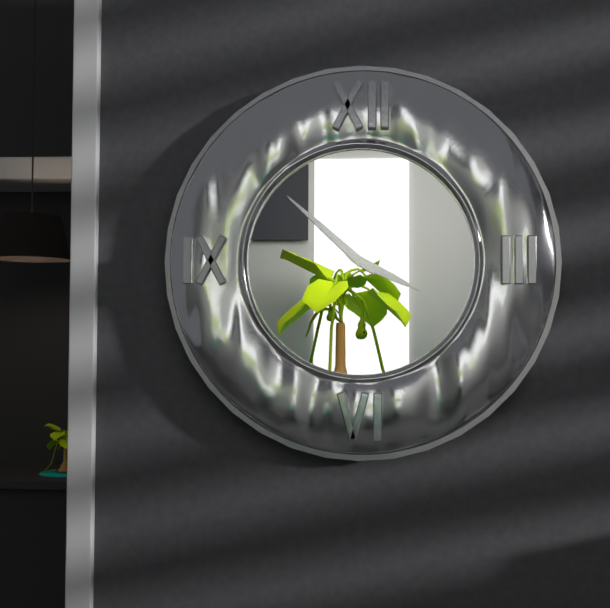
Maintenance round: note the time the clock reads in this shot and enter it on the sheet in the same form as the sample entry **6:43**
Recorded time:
**3:52**
